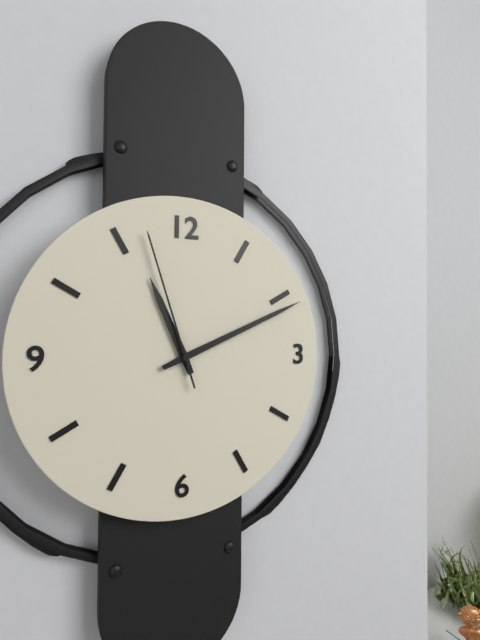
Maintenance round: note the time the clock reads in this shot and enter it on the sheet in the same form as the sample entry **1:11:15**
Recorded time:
**11:11:57**
